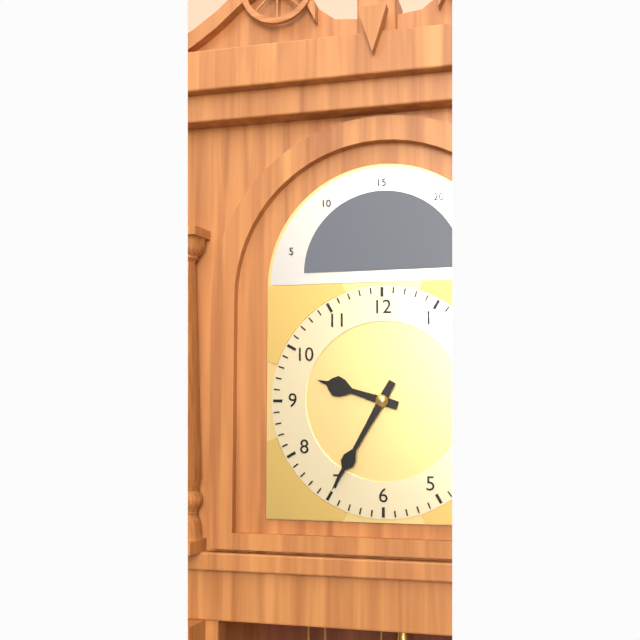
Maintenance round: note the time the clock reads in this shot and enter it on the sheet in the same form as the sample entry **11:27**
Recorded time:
**9:35**
